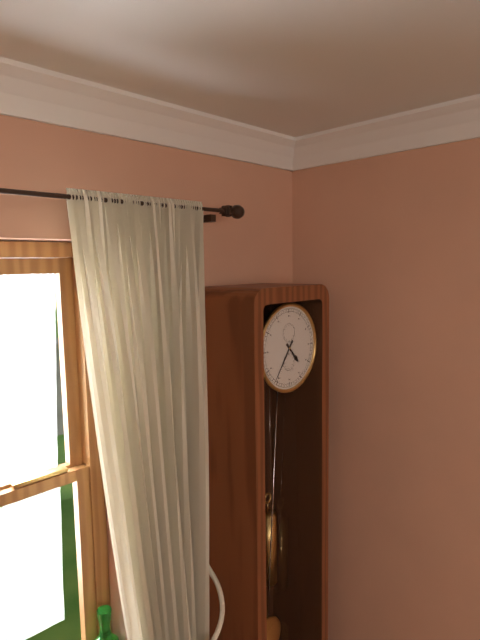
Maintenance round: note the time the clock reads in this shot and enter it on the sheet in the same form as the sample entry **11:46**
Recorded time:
**4:36**
